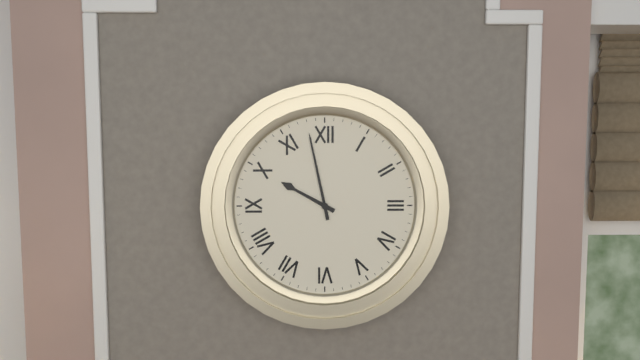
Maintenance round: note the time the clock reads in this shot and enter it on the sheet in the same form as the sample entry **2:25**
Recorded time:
**9:58**
